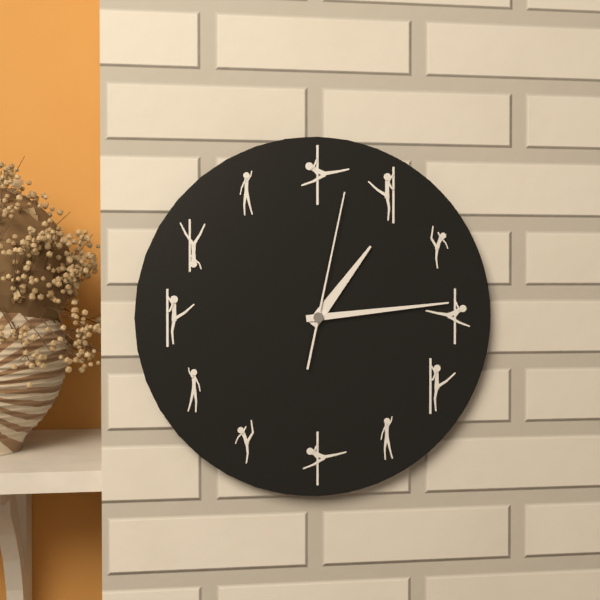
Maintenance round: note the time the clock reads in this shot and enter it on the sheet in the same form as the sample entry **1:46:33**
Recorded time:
**1:14:02**
